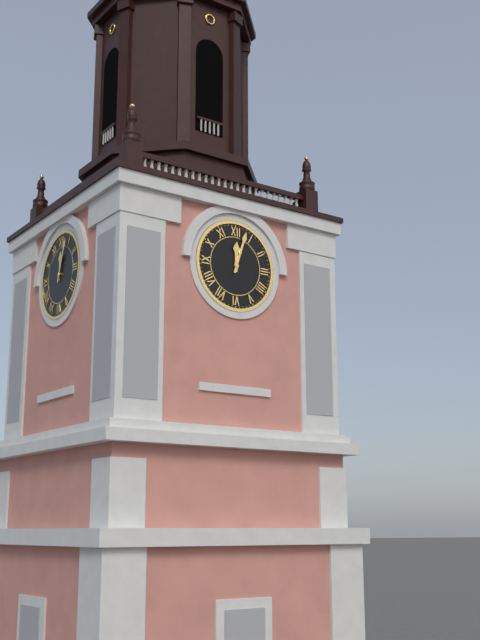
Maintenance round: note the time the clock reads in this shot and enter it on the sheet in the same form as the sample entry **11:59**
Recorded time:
**12:03**
